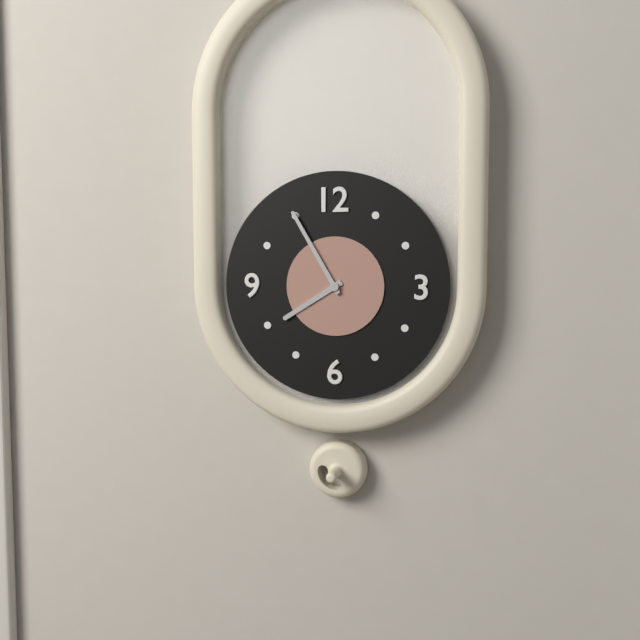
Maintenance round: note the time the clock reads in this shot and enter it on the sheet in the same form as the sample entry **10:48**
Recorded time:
**7:55**
